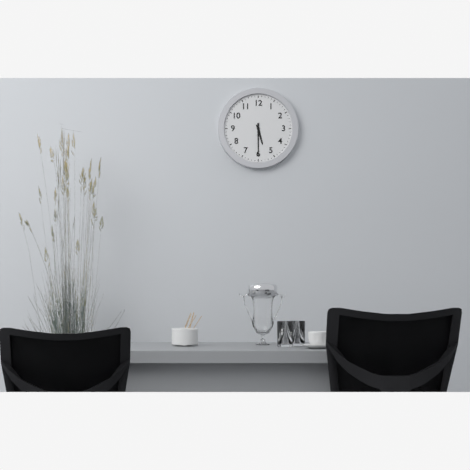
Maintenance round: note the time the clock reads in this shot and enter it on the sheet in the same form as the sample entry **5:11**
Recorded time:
**5:30**
